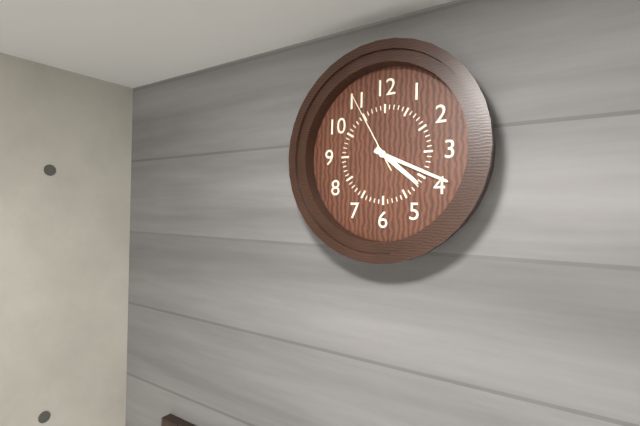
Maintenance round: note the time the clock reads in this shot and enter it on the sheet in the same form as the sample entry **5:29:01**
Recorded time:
**4:19:55**
